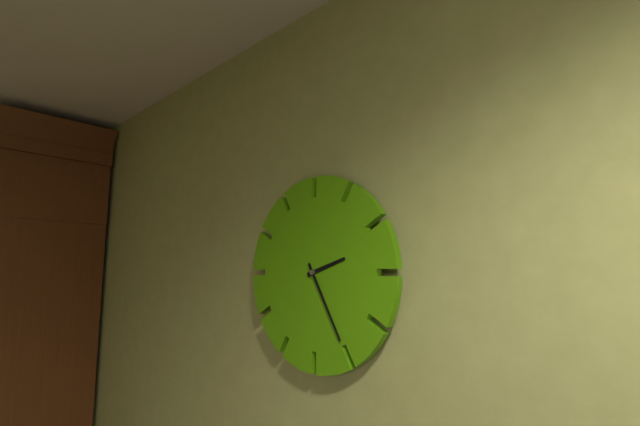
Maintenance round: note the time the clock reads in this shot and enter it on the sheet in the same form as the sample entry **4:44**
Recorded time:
**2:25**
